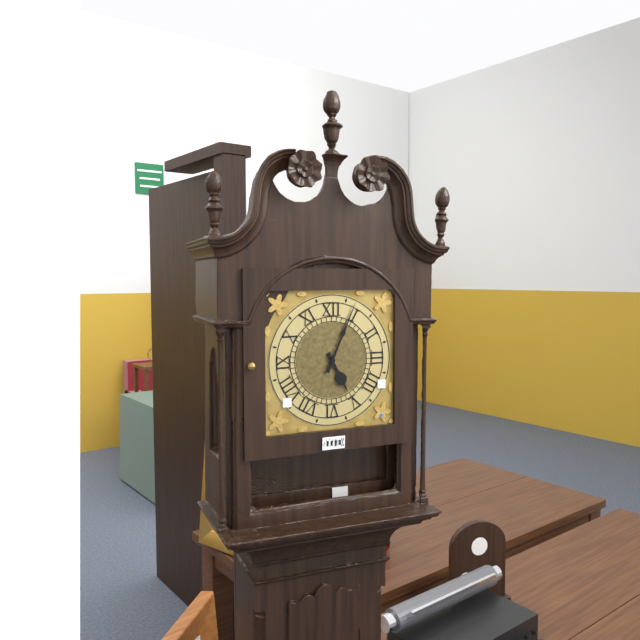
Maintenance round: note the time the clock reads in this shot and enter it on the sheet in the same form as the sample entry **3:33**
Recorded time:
**5:04**
